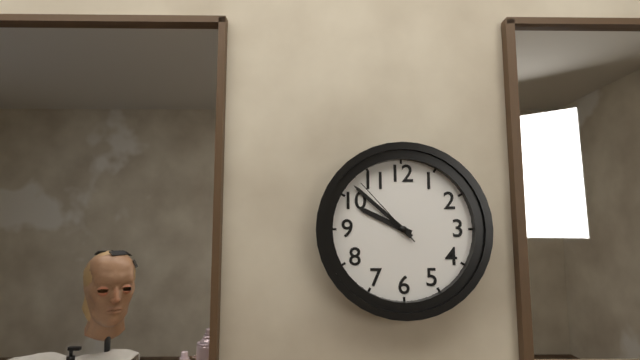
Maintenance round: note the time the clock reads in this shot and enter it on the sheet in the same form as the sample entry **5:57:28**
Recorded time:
**9:52:53**
